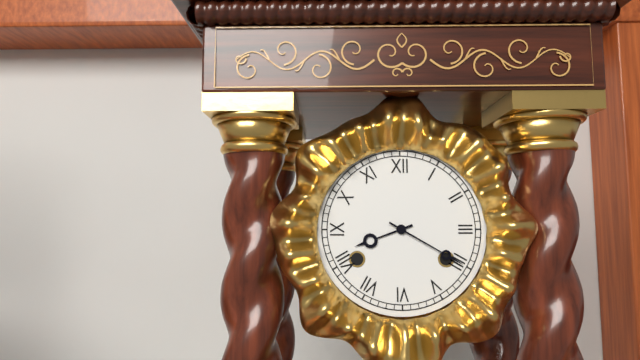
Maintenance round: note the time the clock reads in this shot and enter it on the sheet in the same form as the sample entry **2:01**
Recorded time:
**8:20**
